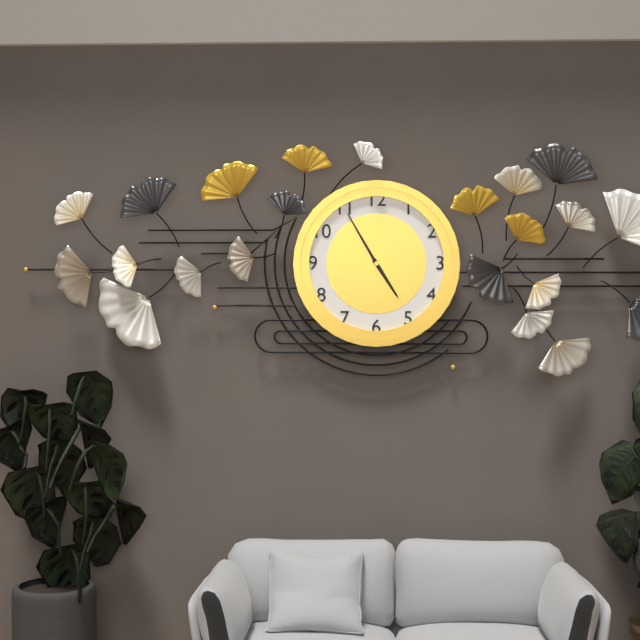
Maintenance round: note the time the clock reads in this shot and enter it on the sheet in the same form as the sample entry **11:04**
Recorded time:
**4:55**
